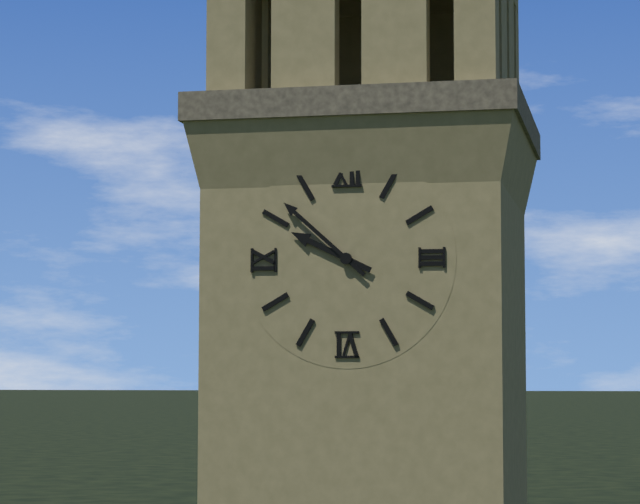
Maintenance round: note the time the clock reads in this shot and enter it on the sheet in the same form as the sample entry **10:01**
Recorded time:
**9:52**
